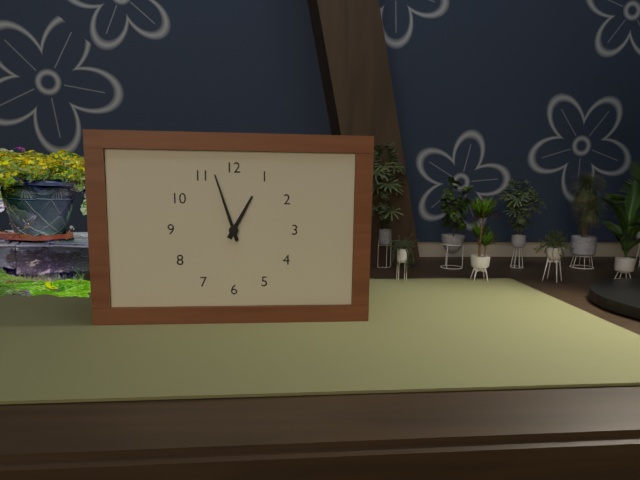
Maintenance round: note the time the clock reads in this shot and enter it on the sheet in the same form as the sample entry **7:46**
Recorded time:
**12:57**
